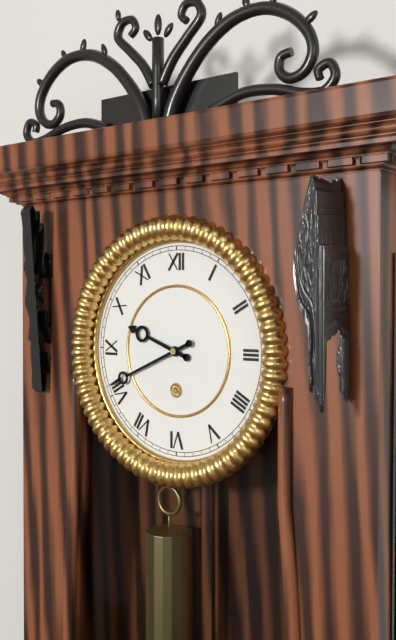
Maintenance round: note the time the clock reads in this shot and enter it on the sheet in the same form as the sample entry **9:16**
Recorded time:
**9:41**
